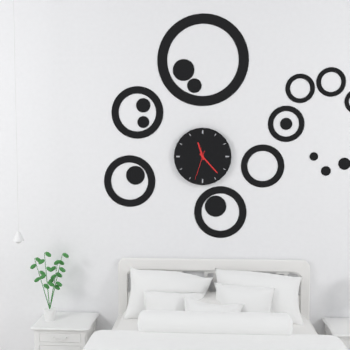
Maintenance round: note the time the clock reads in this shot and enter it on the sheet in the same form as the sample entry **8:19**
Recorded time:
**11:23**
